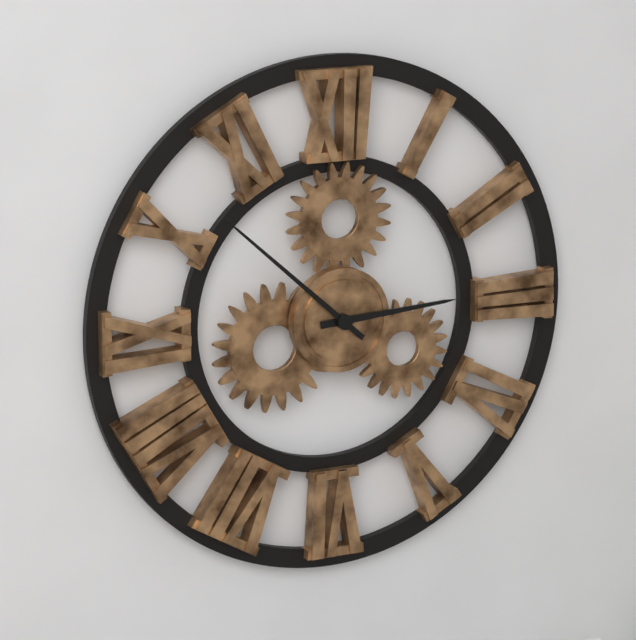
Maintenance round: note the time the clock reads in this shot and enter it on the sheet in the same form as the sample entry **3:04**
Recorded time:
**2:52**
